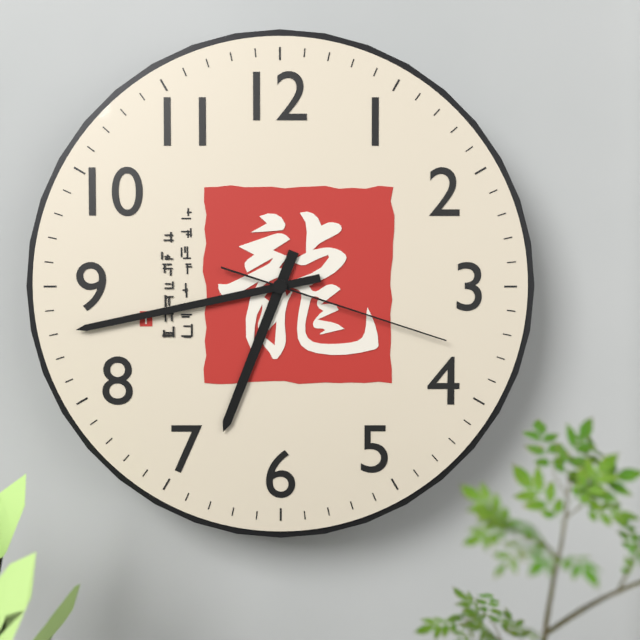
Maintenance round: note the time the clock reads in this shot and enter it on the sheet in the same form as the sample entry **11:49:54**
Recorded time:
**6:43:18**
